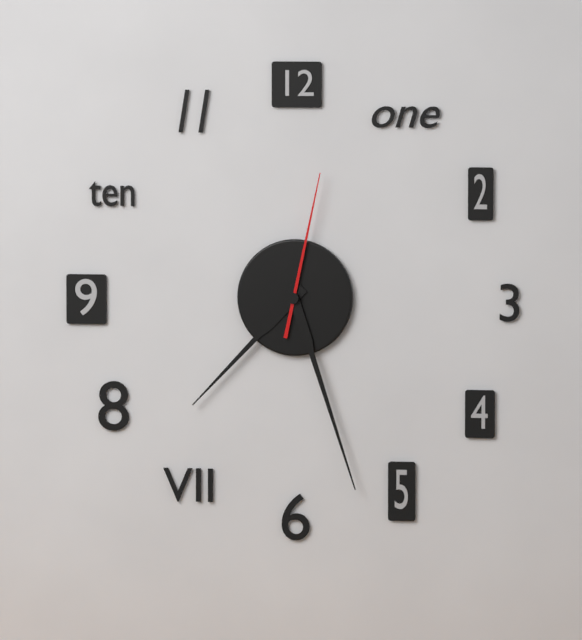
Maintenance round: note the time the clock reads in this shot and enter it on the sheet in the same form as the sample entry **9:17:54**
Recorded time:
**7:27:02**
